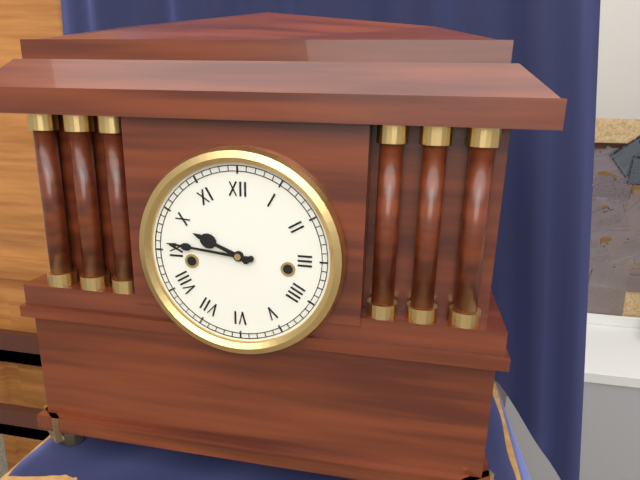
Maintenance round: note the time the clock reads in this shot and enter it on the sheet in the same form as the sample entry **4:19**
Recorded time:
**9:46**
